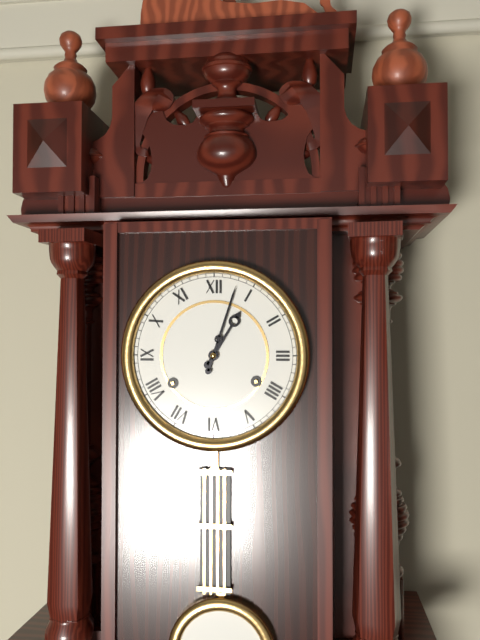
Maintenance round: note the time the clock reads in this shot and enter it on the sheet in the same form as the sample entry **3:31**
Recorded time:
**1:03**
